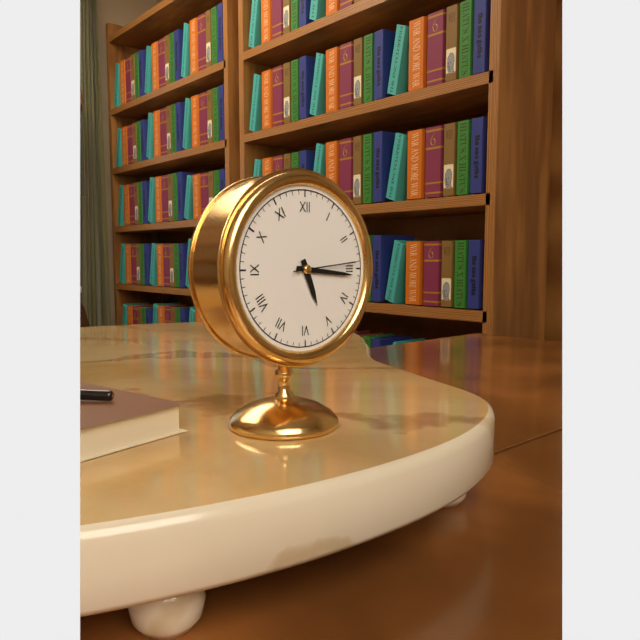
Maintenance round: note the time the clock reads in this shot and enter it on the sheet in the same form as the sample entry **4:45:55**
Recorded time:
**5:16:14**
